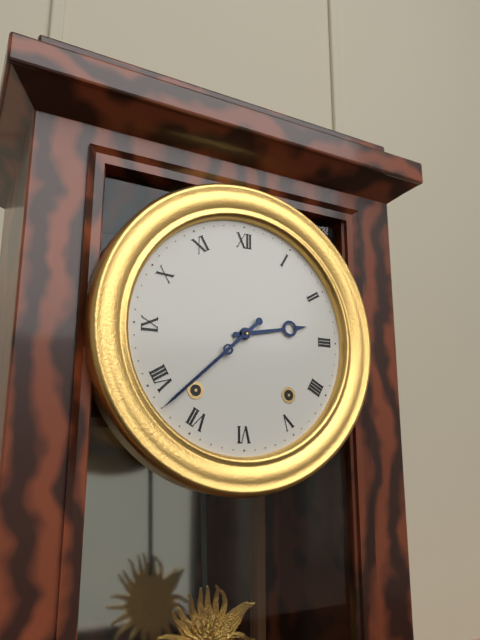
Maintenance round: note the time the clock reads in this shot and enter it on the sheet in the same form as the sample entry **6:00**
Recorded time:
**2:38**
